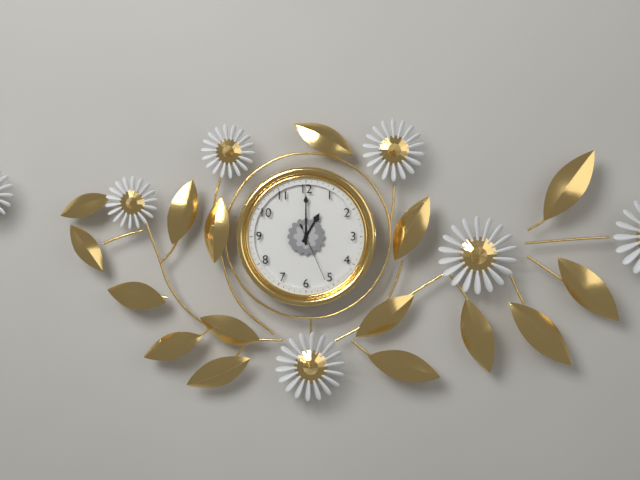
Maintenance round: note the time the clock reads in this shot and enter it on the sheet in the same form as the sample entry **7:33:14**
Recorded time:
**1:00:26**
